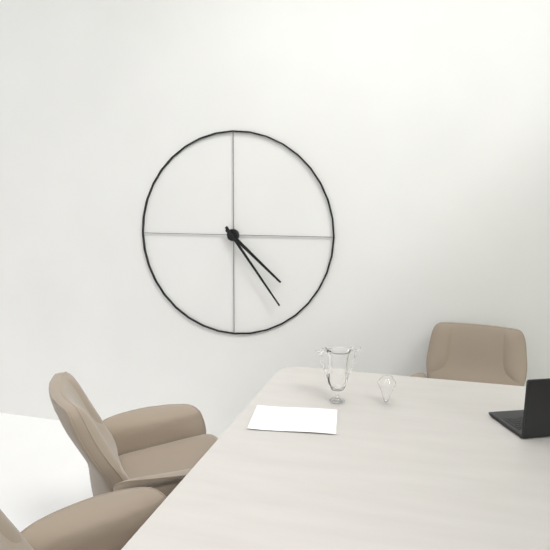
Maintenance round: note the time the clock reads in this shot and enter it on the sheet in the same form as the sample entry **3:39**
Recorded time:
**4:24**
